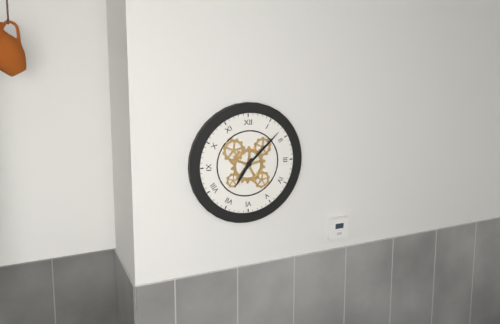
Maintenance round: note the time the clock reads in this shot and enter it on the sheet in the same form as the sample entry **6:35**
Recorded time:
**7:08**
